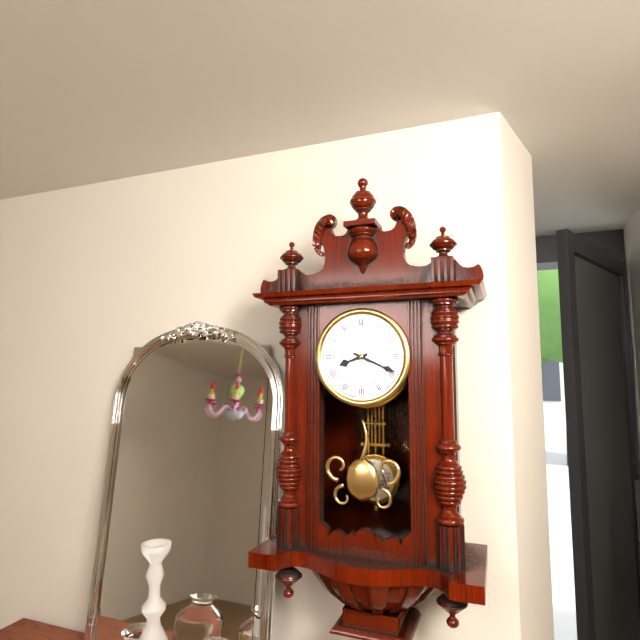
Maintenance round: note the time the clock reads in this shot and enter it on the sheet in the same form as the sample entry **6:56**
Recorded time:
**8:19**
